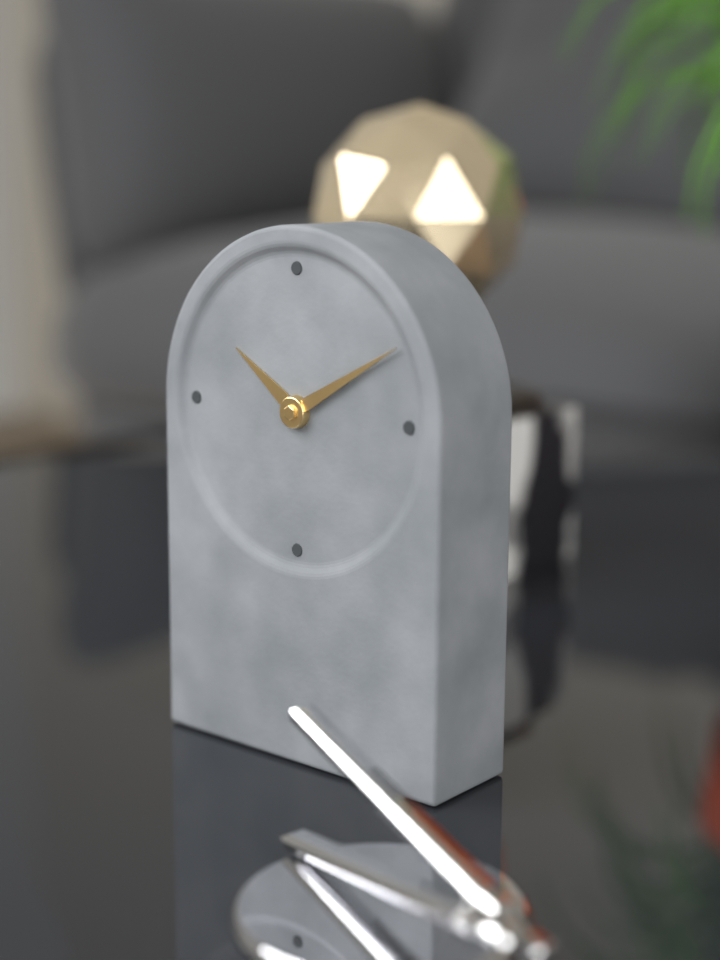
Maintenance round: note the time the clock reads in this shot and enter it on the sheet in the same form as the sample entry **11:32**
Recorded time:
**10:10**
